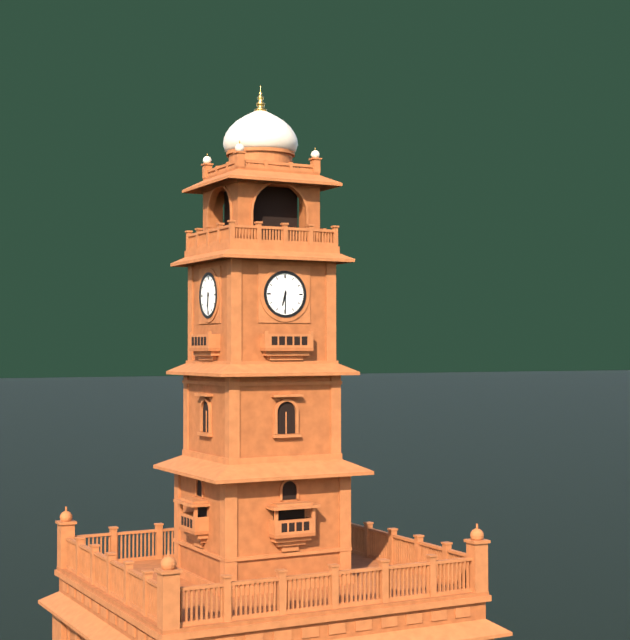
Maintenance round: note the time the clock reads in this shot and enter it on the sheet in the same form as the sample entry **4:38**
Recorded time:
**6:30**
